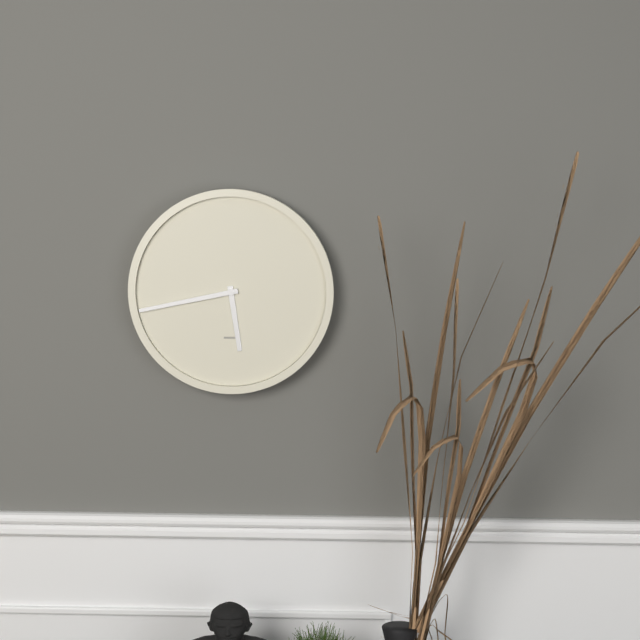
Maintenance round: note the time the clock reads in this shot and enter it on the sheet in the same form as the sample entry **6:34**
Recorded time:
**5:43**
